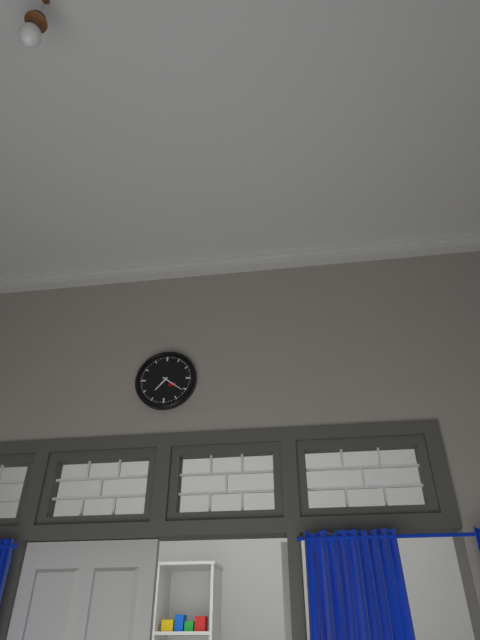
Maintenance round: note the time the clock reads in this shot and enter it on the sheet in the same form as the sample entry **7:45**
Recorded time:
**7:21**
